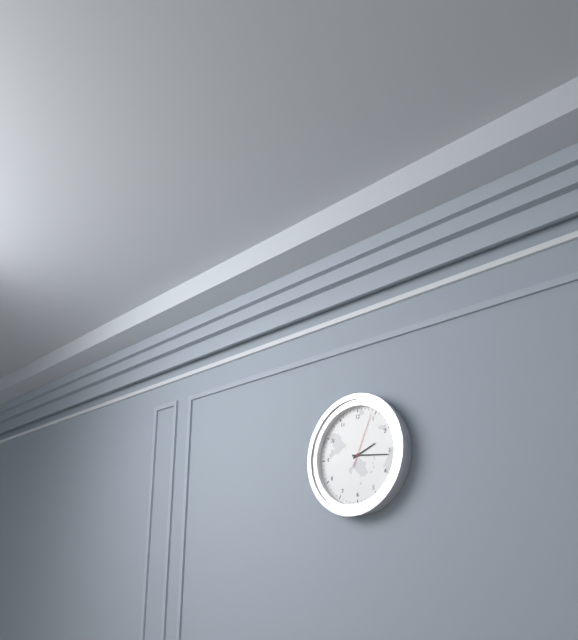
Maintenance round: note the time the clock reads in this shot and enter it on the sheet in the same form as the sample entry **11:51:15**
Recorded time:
**2:16:04**
